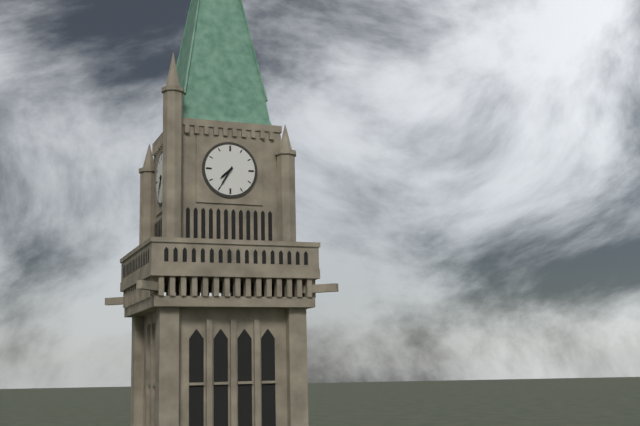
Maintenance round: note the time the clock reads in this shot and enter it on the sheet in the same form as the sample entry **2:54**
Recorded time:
**7:35**
